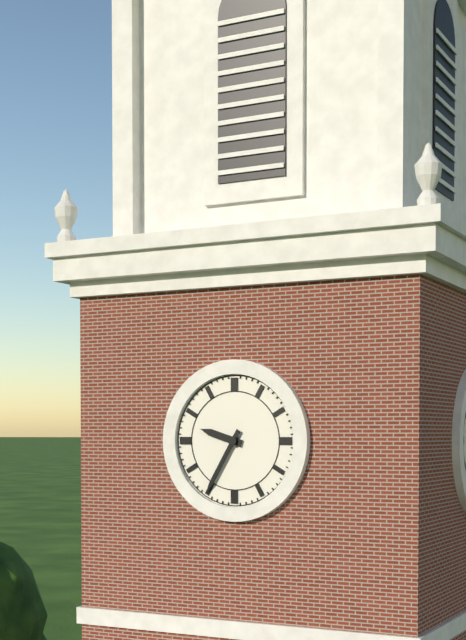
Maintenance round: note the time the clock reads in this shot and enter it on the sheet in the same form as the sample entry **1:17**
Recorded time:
**9:35**
